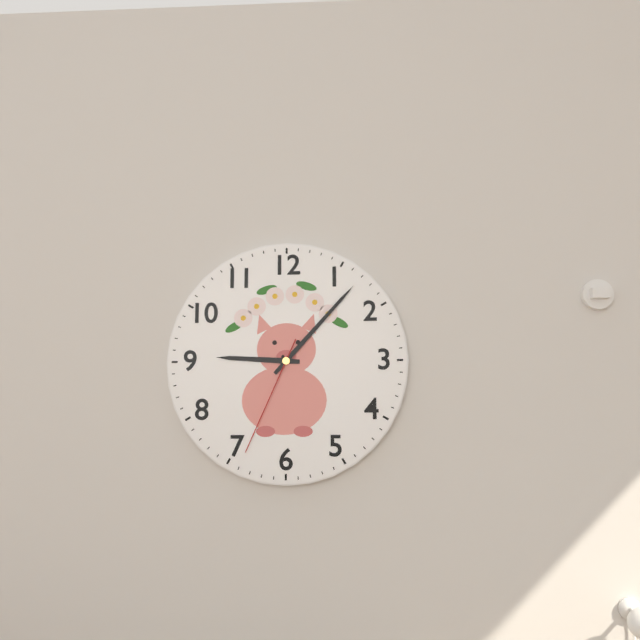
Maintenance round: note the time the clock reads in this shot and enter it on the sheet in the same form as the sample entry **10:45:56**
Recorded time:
**9:07:34**
